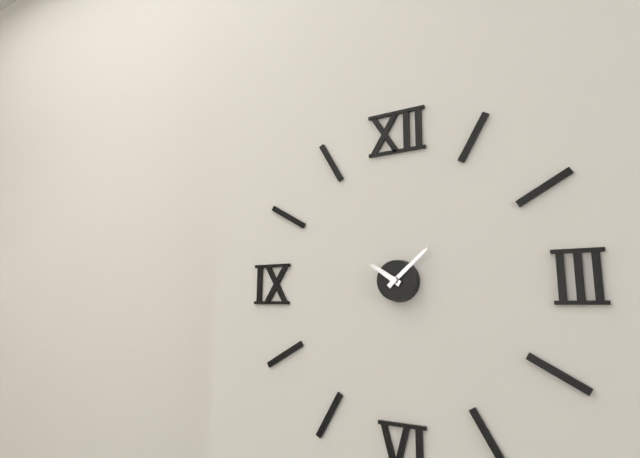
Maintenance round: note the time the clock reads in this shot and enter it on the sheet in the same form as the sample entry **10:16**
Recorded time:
**10:08**
